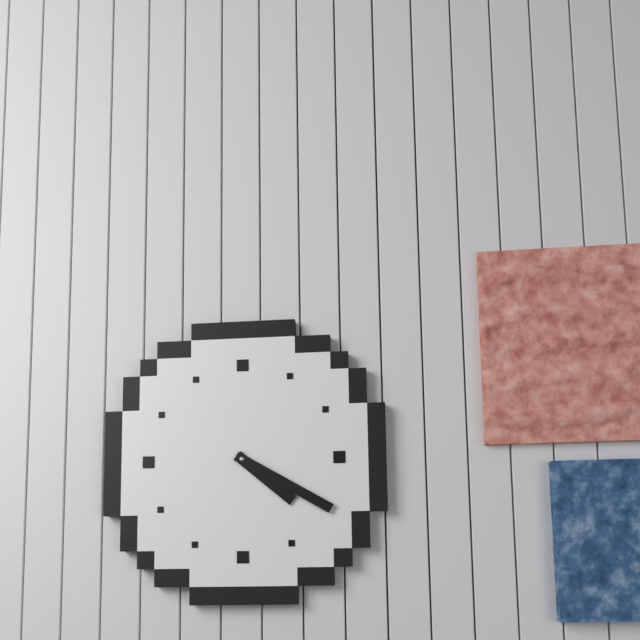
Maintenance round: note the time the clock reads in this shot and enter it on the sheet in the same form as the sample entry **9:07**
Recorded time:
**4:20**
